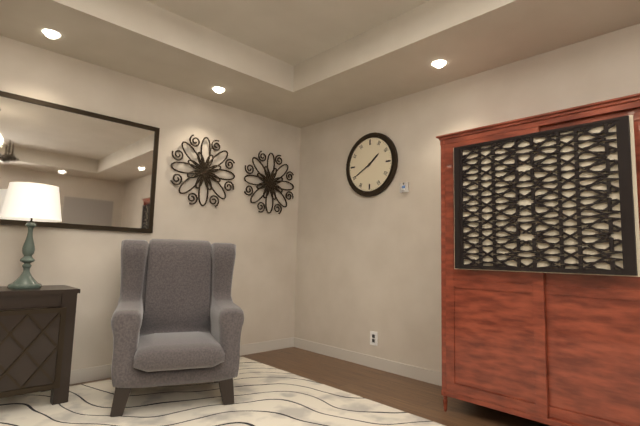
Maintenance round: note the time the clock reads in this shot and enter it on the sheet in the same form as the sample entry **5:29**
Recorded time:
**1:40**
